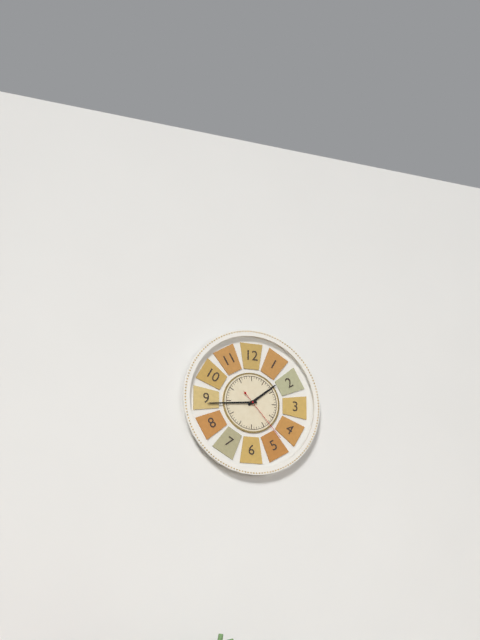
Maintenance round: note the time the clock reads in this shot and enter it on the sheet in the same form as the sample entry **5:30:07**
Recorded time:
**1:44:23**
